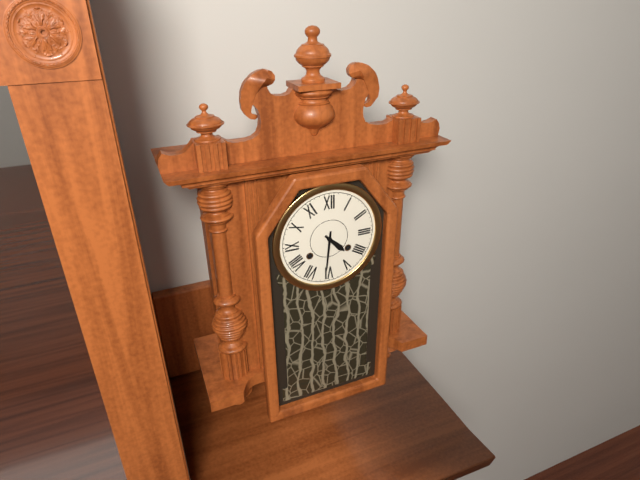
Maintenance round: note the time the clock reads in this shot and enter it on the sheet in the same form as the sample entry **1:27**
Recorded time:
**4:31**
